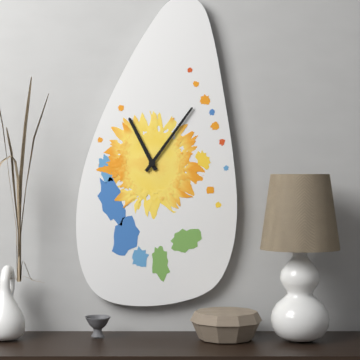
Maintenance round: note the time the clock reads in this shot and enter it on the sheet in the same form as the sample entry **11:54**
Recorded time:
**11:06**
